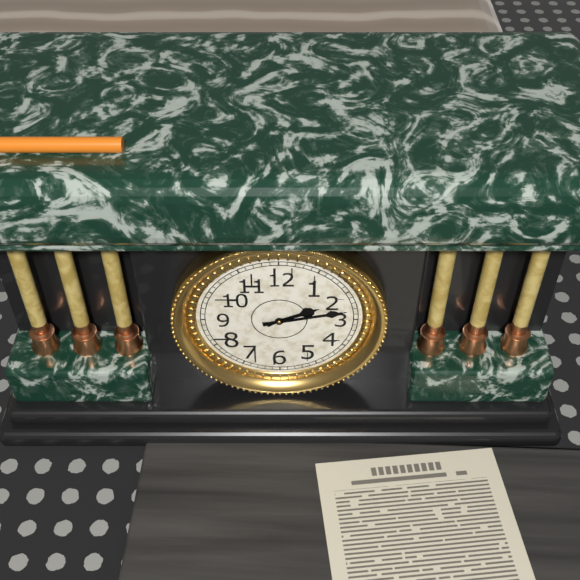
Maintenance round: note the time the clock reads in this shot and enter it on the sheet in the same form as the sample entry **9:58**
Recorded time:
**2:13**
